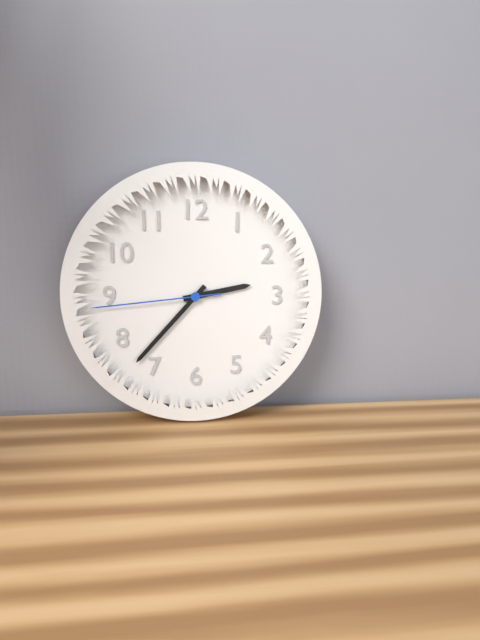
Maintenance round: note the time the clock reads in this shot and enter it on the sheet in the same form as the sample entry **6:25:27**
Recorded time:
**2:37:44**
